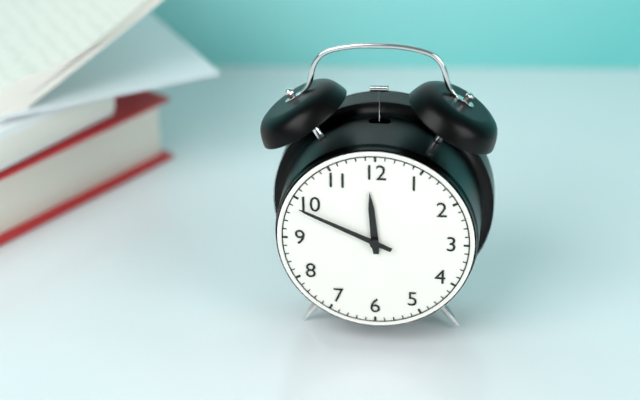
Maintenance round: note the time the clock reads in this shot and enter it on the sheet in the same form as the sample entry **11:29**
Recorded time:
**11:49**
